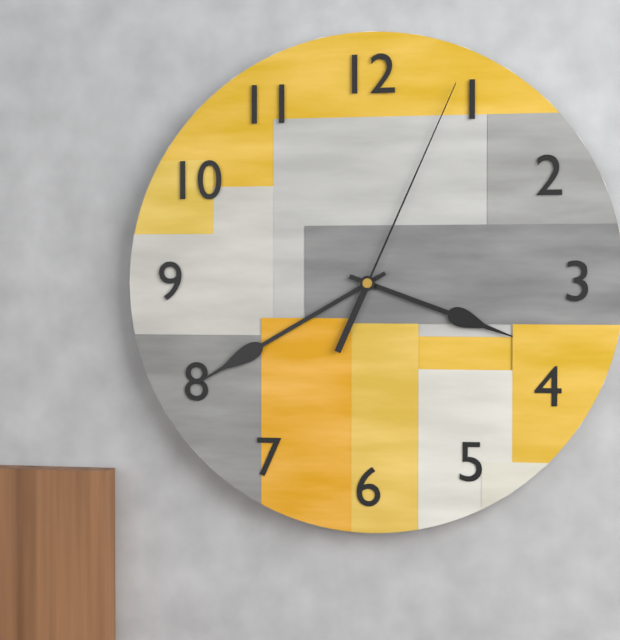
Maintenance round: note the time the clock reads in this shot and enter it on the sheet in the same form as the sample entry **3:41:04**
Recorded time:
**3:40:04**
